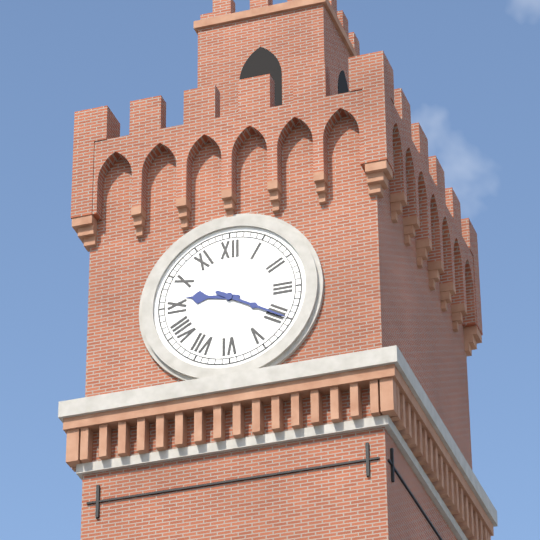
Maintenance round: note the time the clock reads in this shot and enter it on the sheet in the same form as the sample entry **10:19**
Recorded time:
**9:20**
